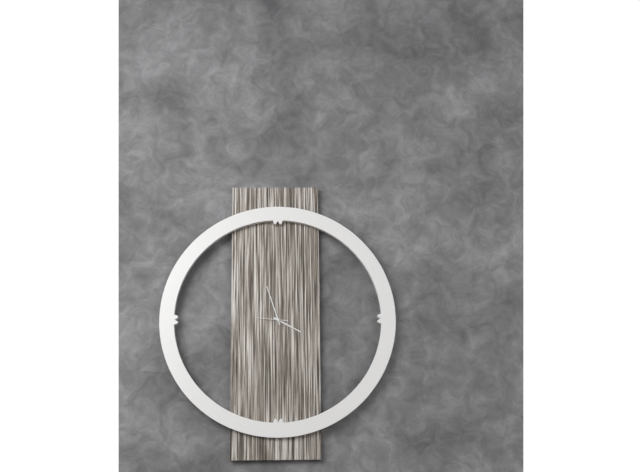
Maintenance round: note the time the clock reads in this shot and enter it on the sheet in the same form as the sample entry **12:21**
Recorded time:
**3:57**
